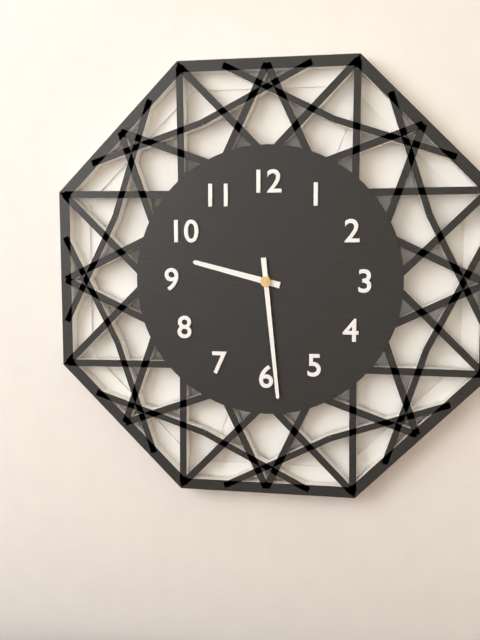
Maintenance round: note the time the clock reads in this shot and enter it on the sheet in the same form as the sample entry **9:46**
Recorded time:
**9:29**
